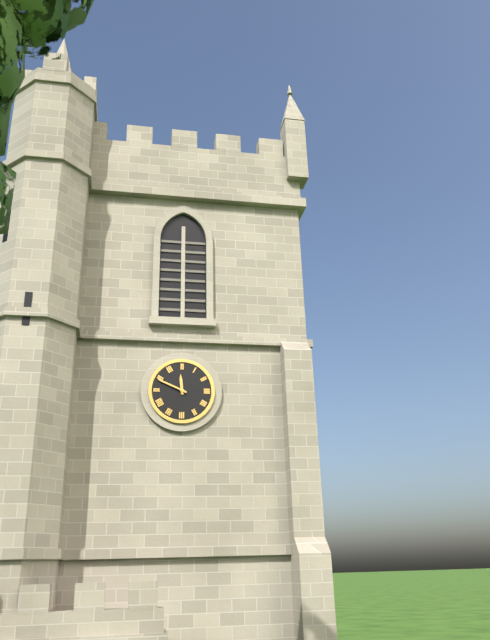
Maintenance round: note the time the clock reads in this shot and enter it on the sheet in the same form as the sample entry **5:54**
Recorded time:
**11:49**
